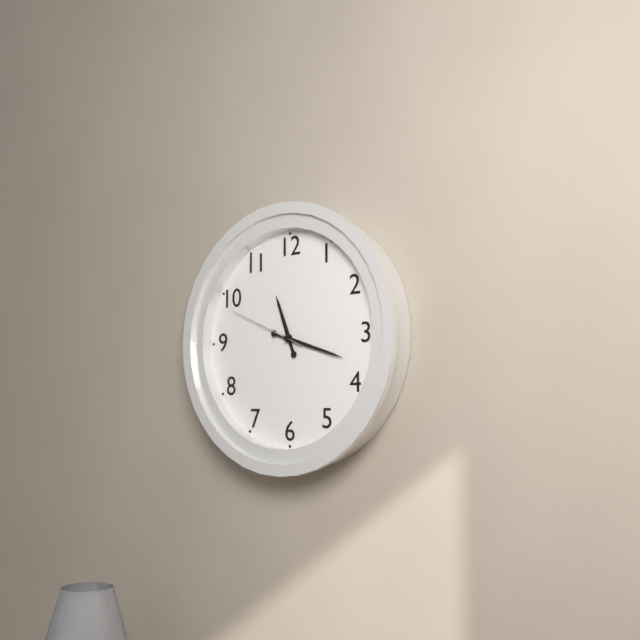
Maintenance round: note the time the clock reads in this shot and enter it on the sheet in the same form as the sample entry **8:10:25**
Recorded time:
**11:18:49**
